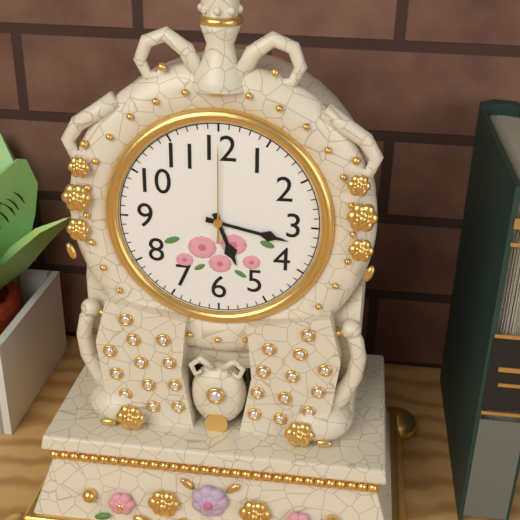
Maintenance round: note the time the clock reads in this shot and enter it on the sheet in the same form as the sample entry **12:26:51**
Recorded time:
**5:17:00**
